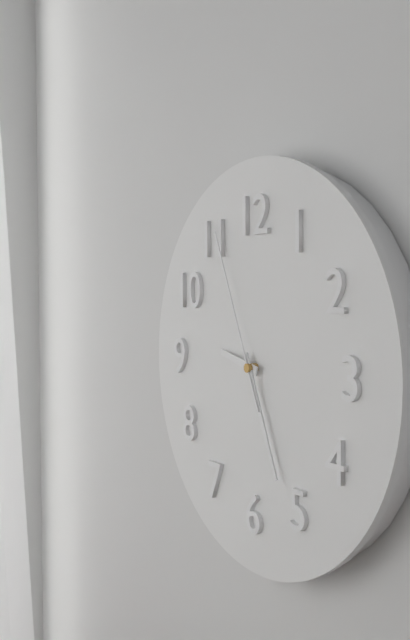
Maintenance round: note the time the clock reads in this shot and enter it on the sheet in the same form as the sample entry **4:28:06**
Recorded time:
**9:26:56**
